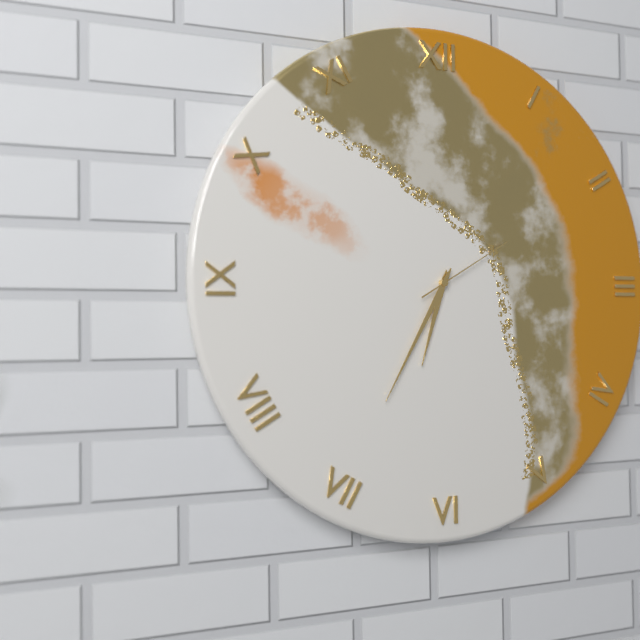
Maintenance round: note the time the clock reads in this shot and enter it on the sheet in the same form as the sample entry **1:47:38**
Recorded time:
**6:35:10**
